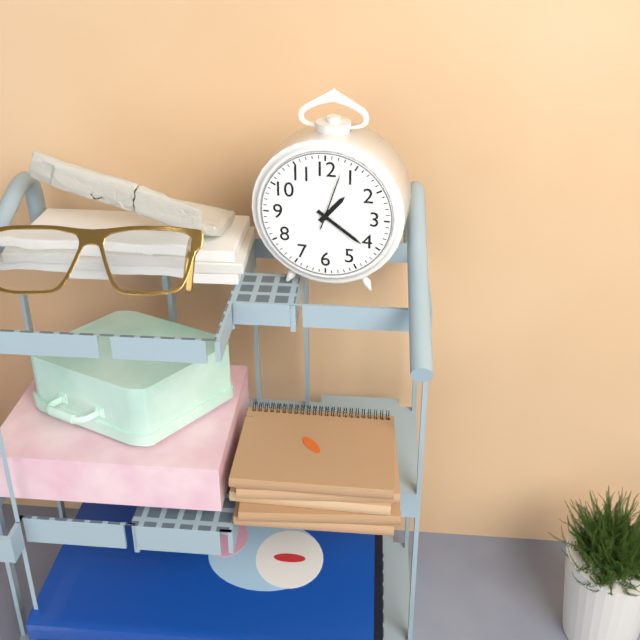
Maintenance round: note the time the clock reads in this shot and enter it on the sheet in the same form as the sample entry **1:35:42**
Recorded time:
**1:21:03**
